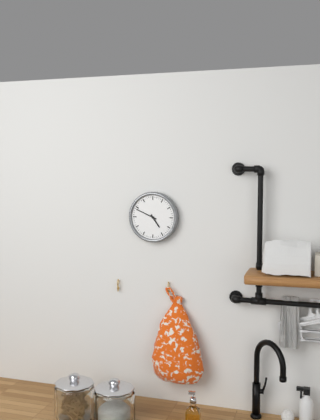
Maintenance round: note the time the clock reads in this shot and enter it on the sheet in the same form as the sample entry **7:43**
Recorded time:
**4:49**
